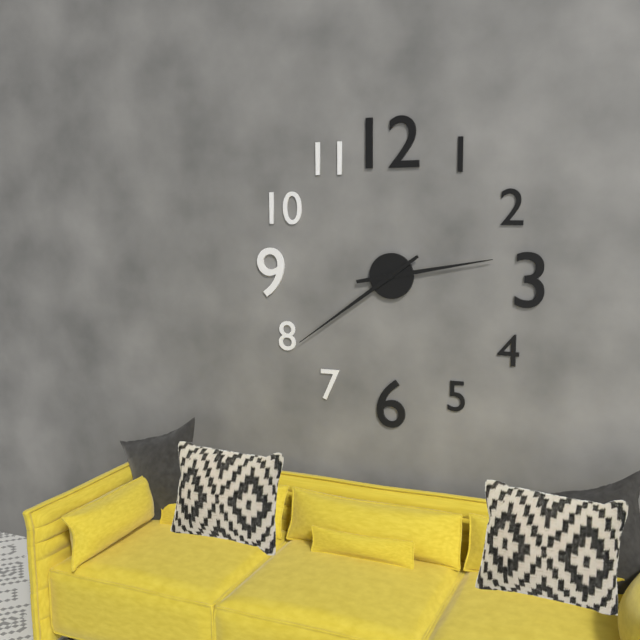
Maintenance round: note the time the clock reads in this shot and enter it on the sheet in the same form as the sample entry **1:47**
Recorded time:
**2:39**
